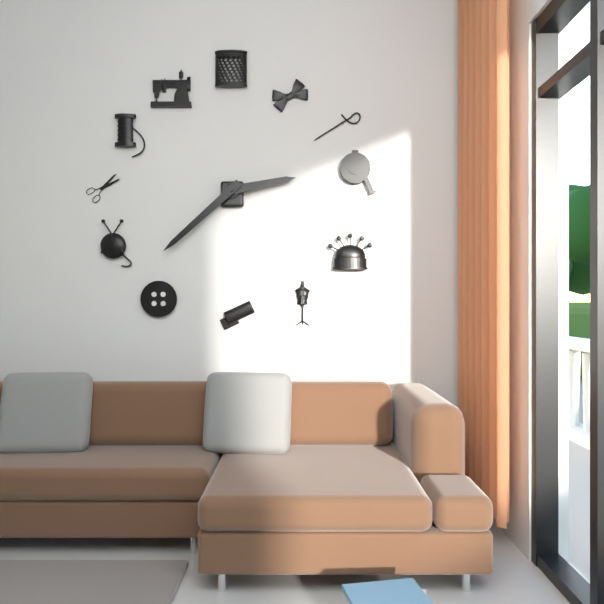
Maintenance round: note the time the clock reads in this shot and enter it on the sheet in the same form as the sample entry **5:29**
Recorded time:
**2:38**
